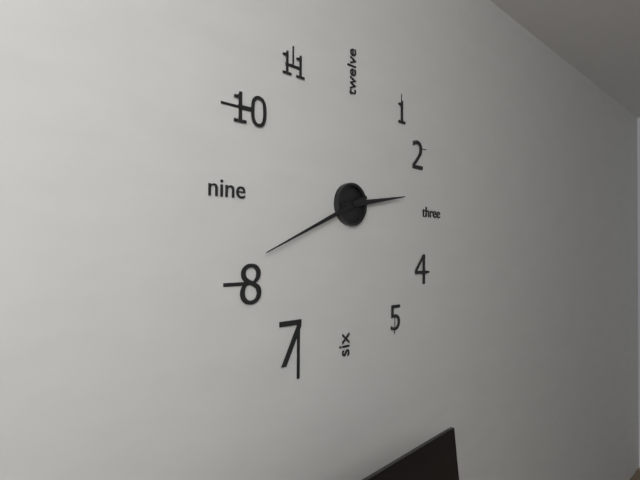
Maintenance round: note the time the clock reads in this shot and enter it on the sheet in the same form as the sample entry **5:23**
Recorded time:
**2:41**
